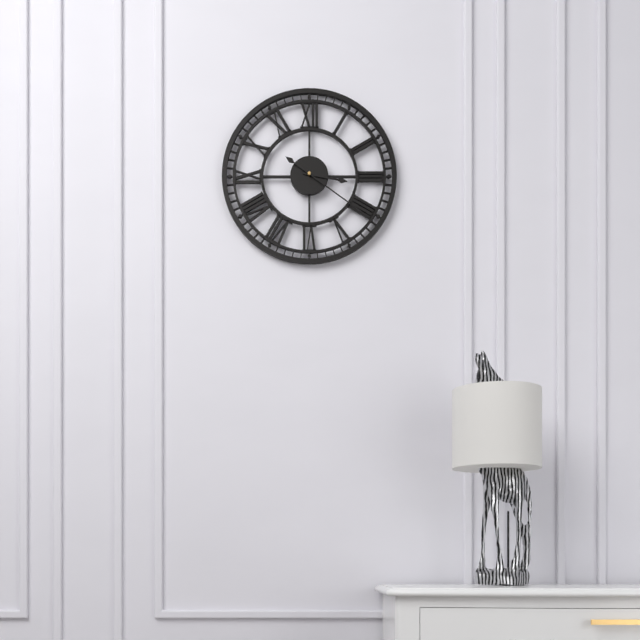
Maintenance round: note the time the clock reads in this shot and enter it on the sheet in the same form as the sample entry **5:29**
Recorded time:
**3:21**
